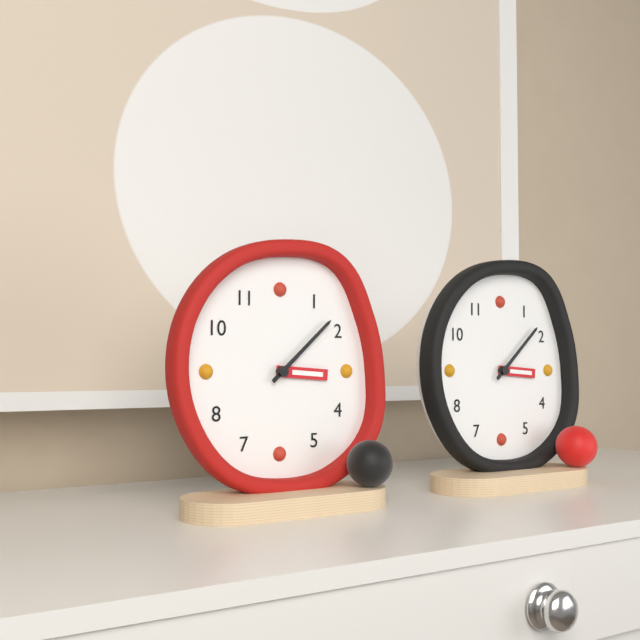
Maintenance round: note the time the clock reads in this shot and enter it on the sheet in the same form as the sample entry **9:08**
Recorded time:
**3:08**
